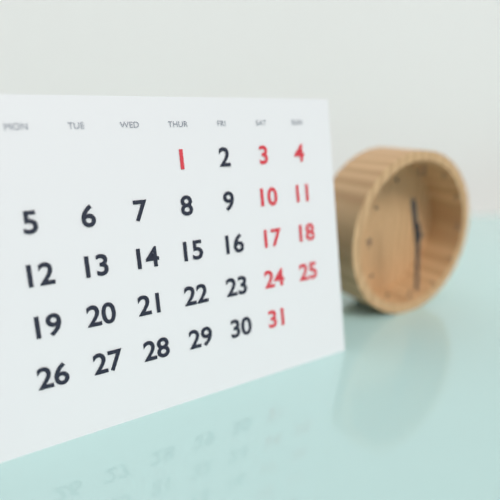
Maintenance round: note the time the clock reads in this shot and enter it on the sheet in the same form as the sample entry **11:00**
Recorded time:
**11:29**
